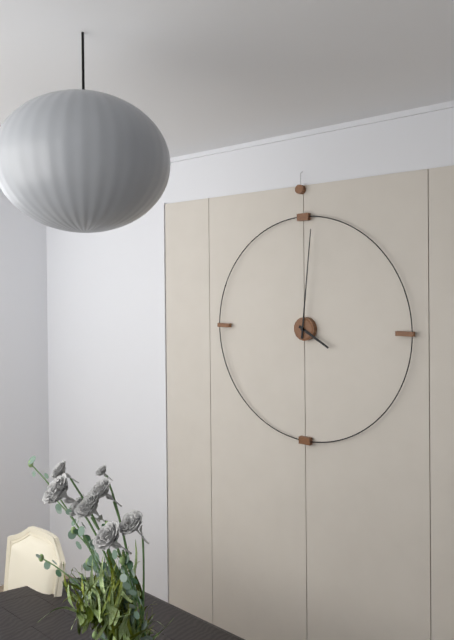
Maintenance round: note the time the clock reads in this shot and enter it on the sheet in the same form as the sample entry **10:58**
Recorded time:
**4:01**
